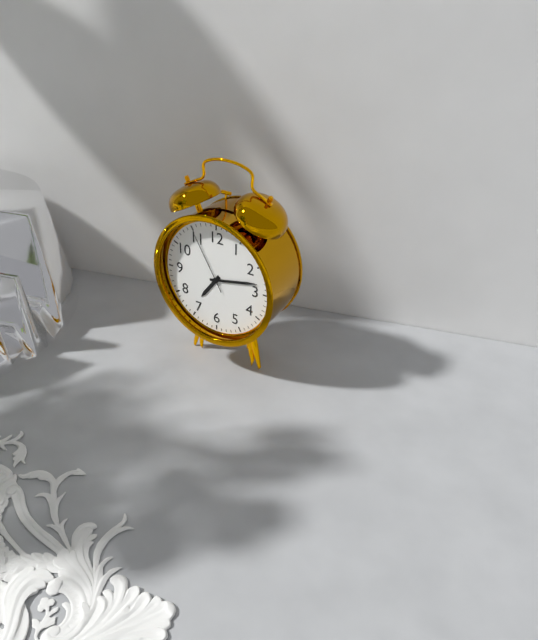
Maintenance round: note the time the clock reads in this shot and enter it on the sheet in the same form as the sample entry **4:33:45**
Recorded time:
**7:13:55**
